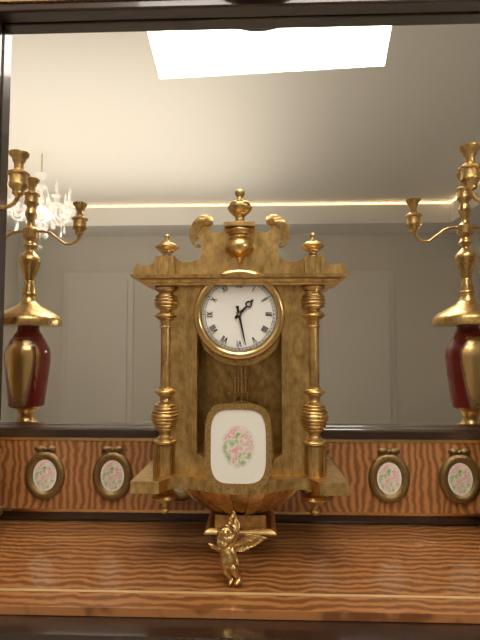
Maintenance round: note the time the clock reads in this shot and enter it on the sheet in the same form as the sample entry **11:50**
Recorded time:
**1:28**
